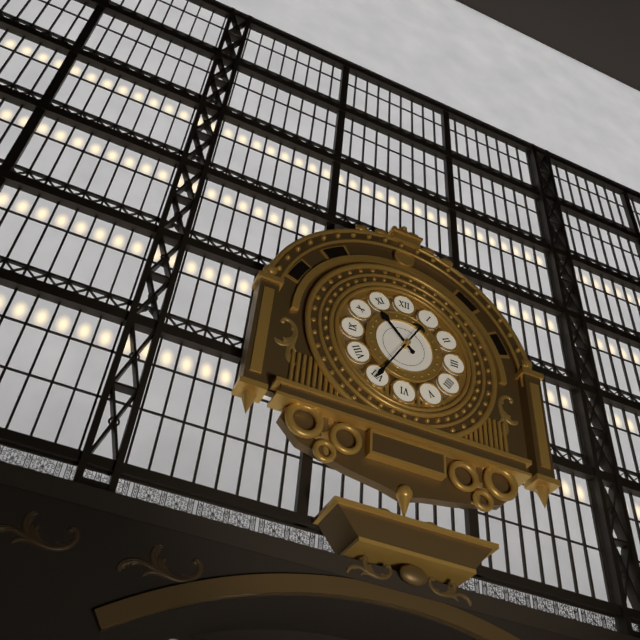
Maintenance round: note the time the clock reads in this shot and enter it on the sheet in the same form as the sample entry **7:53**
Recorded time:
**10:35**
